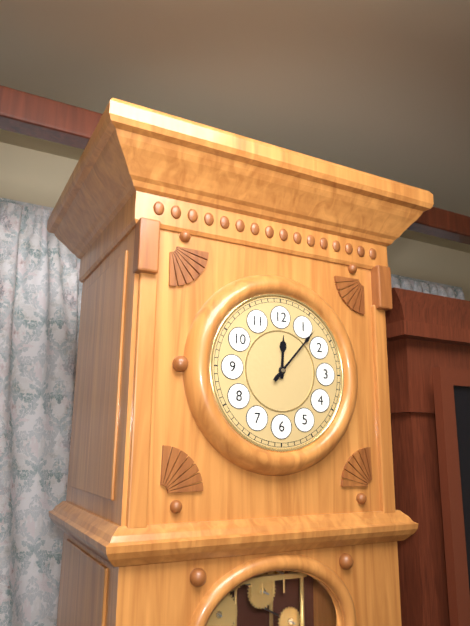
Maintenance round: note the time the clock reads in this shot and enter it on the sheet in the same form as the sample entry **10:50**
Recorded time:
**12:07**
